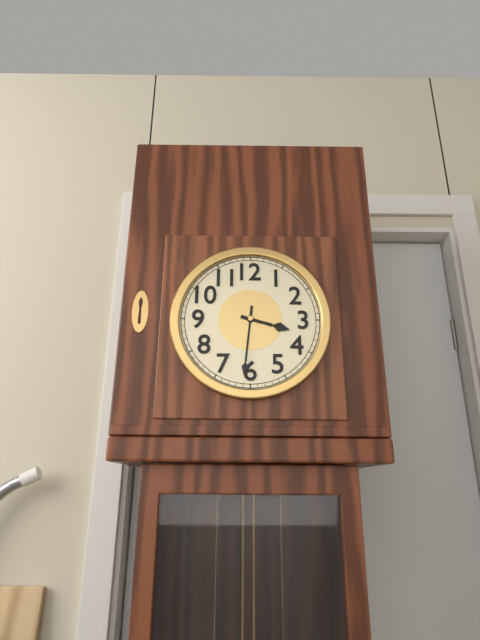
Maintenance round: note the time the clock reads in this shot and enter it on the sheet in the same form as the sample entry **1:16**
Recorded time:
**3:31**
